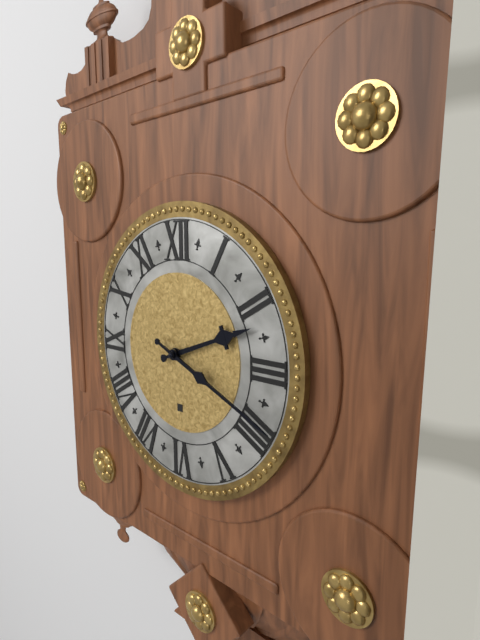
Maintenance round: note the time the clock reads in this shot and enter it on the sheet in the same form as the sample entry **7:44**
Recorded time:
**2:19**
